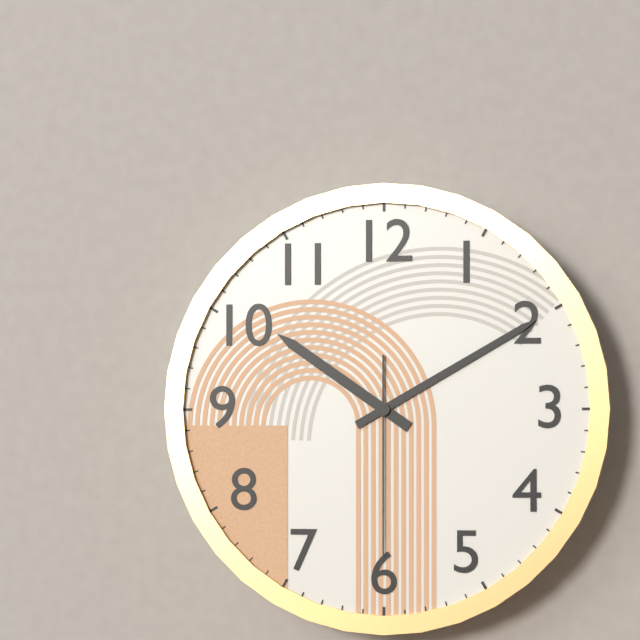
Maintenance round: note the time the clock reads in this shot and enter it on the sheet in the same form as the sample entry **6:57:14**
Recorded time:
**10:10:30**
